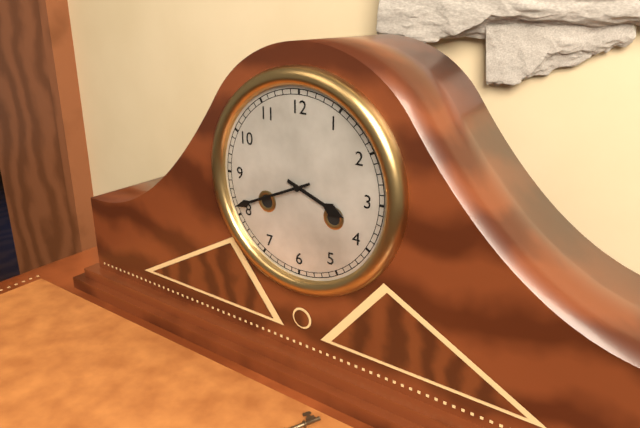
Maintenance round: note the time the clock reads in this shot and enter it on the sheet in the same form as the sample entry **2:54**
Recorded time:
**3:41**
